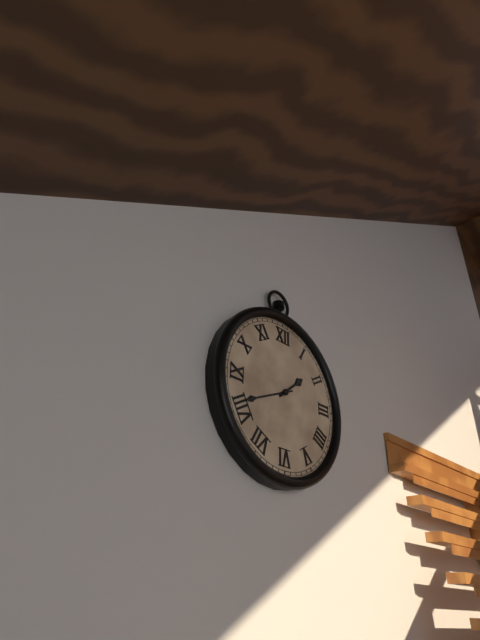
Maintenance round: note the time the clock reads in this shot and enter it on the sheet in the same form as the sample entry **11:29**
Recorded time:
**1:41**
